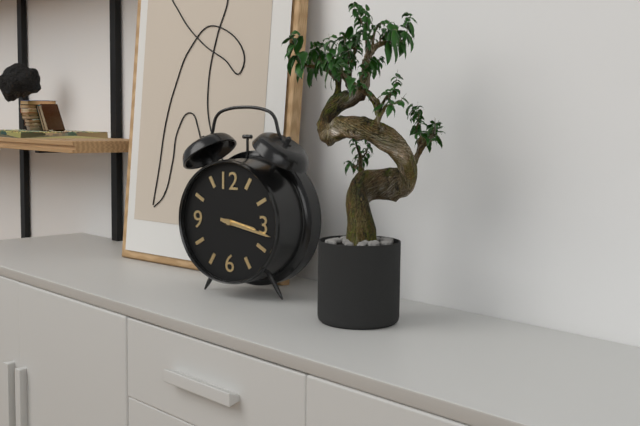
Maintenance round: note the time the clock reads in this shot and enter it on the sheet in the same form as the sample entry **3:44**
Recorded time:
**3:17**
